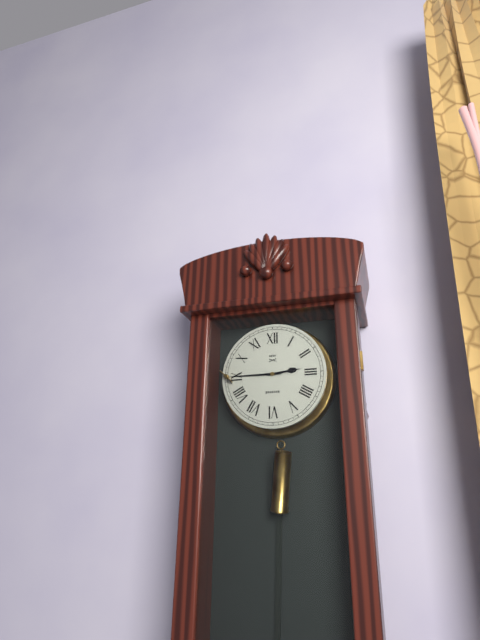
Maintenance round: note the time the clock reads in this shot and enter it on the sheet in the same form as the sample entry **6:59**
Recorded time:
**2:45**
